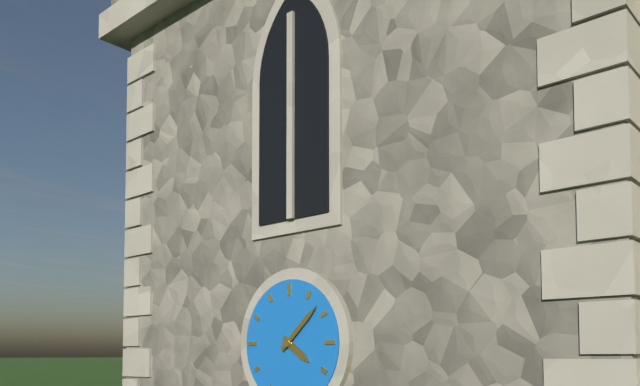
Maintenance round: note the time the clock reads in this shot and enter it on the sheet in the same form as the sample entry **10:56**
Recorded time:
**4:08**
